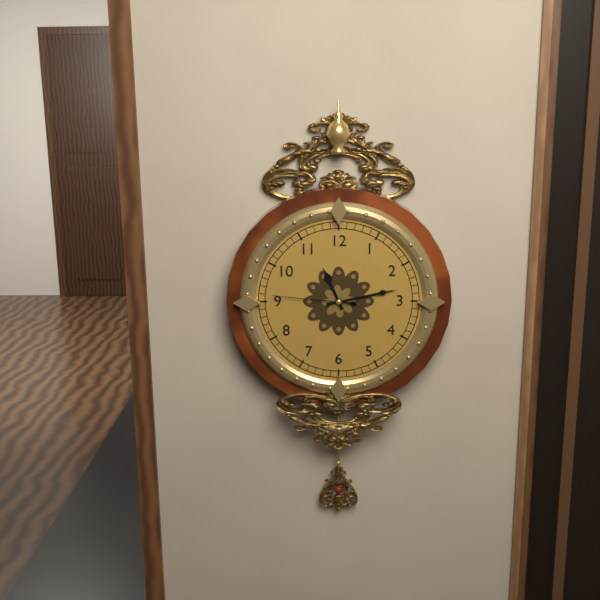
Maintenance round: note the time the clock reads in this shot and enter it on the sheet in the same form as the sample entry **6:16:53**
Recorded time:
**11:13:46**
